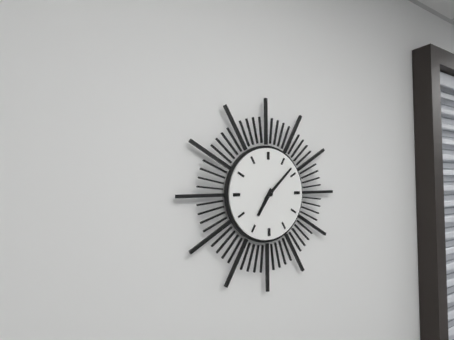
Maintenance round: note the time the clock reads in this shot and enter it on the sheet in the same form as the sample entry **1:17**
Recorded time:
**7:08**
